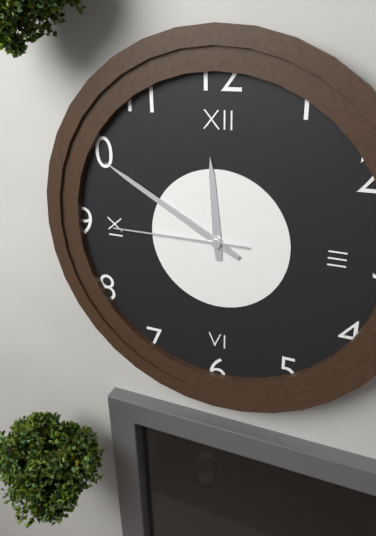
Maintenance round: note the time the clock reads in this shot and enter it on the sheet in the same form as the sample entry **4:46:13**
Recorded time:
**11:50:45**
